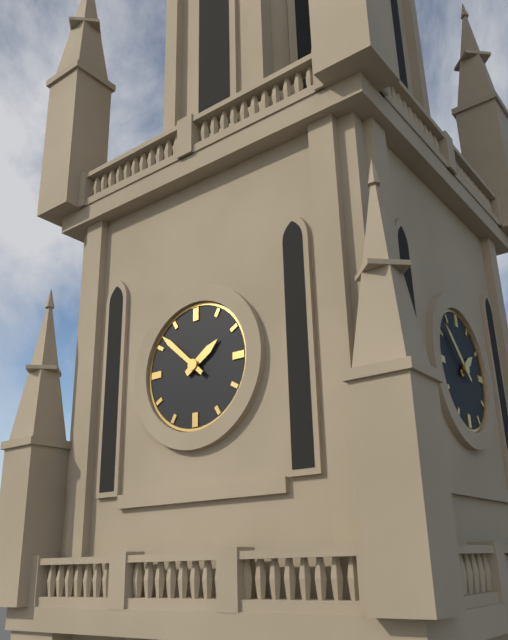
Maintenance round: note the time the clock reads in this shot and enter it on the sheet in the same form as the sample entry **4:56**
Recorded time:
**1:52**
